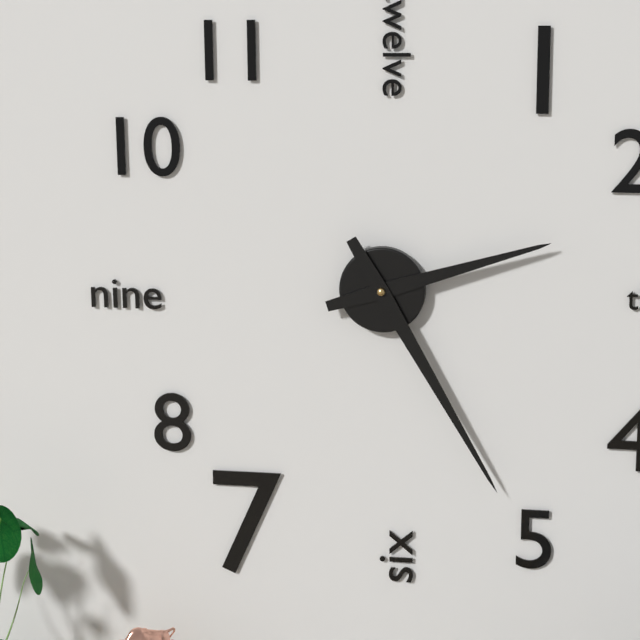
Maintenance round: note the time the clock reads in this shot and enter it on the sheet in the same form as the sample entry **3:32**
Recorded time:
**2:25**
